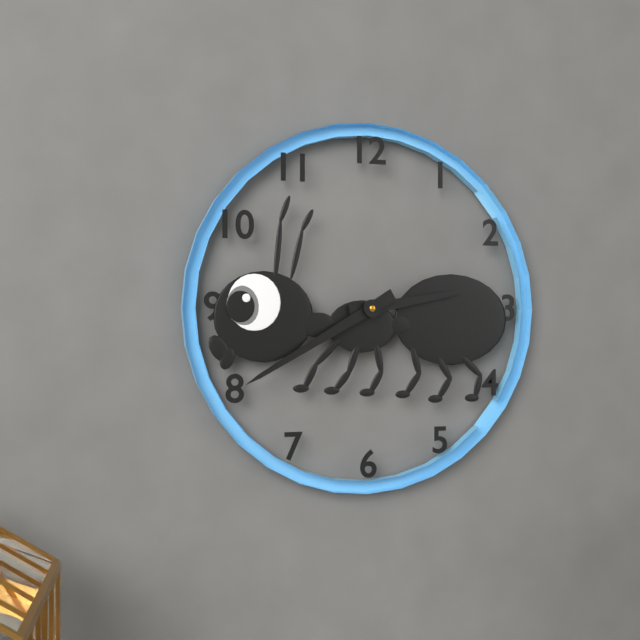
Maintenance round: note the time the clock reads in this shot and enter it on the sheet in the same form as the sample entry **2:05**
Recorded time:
**2:40**
